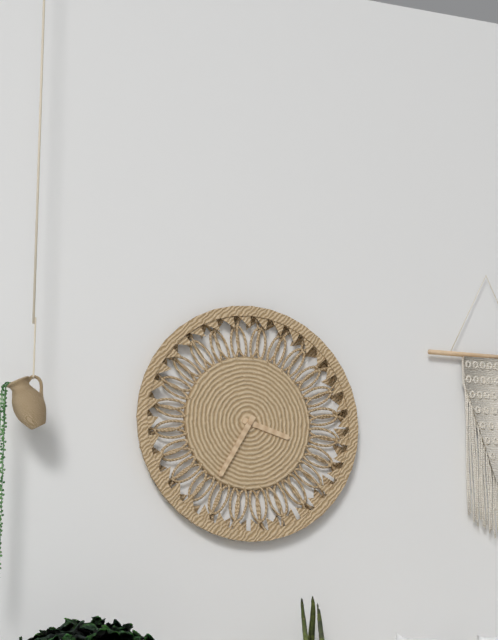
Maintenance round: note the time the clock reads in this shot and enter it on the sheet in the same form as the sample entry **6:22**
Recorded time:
**3:35**
